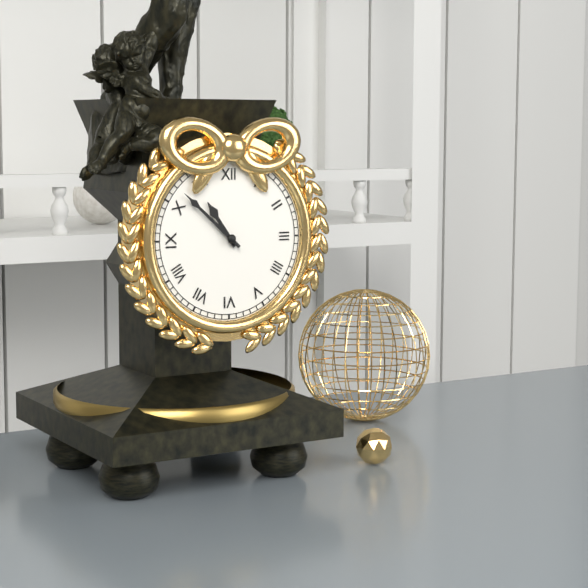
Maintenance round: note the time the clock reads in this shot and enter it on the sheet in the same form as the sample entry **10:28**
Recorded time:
**10:52**
